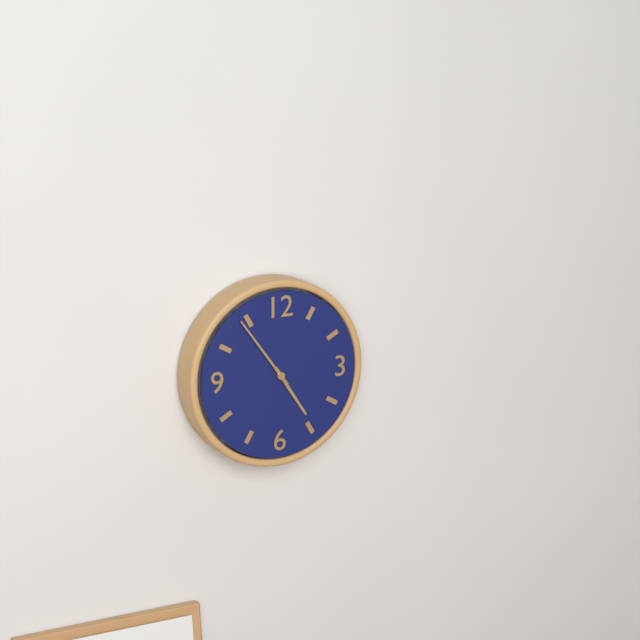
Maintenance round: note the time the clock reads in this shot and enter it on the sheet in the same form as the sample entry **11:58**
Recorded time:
**4:54**
